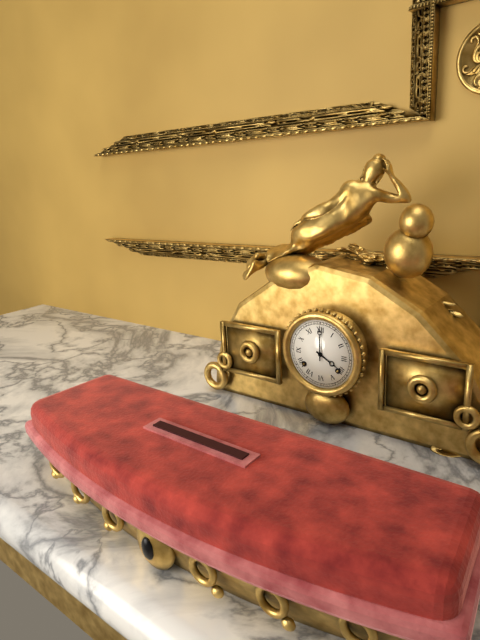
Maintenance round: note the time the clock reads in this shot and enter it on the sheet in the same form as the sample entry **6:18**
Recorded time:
**4:00**
